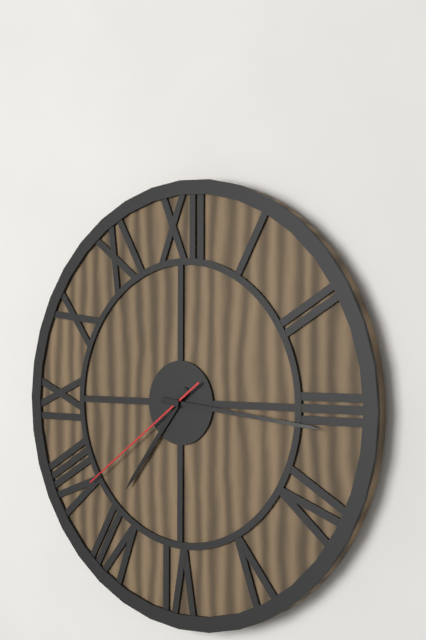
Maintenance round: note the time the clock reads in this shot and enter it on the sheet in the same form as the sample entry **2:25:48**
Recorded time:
**7:16:39**
